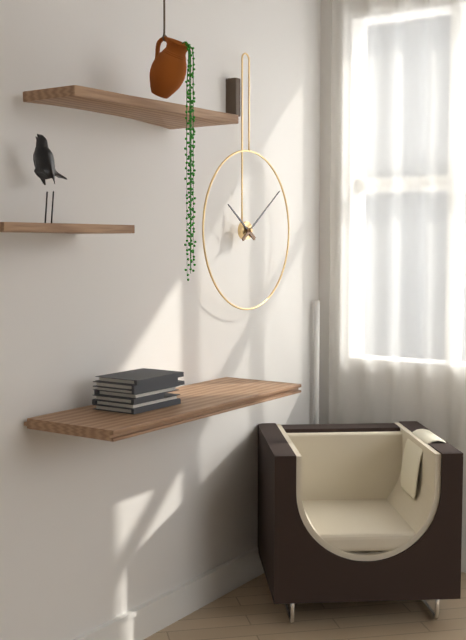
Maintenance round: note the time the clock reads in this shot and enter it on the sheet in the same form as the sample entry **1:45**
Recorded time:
**10:09**
